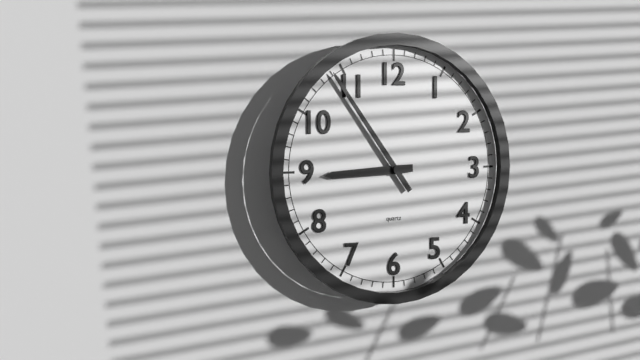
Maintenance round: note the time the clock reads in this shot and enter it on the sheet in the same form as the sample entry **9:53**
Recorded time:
**8:54**
